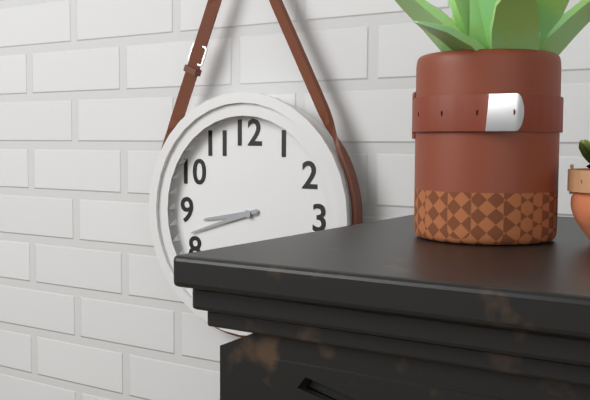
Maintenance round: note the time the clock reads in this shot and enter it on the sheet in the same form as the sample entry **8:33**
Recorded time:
**8:42**
